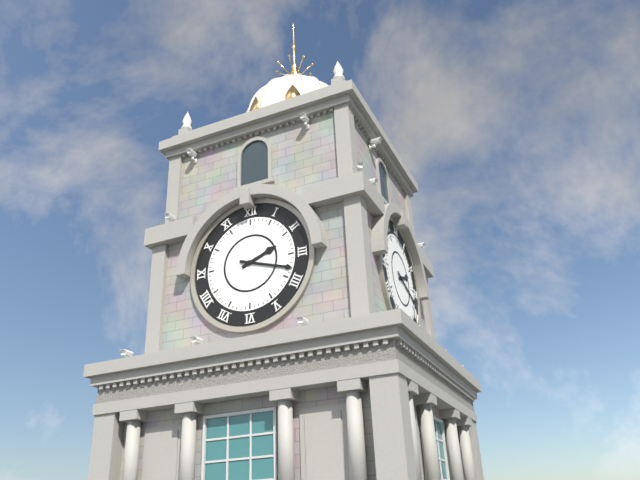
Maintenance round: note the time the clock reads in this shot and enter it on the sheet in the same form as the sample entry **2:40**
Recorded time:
**2:18**
